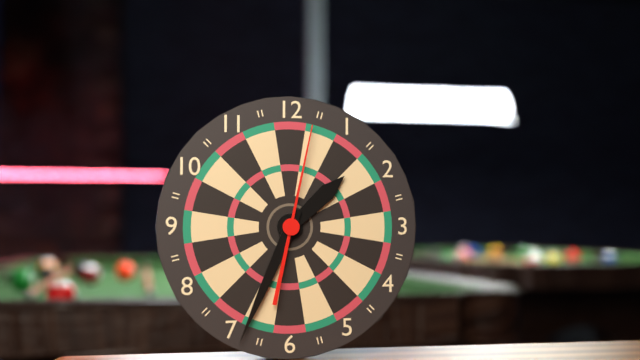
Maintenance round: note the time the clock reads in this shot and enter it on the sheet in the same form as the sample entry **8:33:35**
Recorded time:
**1:34:02**
